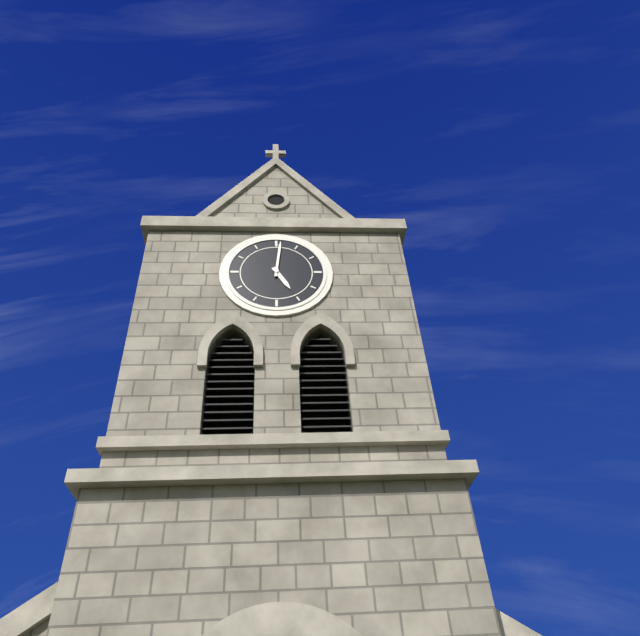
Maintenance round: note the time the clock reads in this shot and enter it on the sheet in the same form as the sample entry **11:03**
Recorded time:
**5:01**
